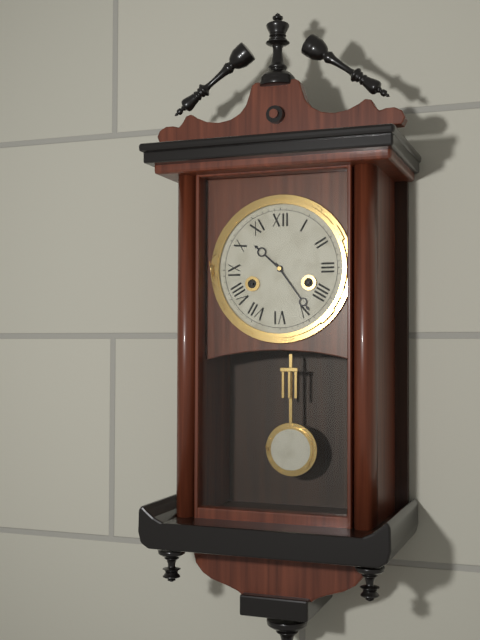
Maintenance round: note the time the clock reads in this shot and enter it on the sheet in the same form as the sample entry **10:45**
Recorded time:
**10:24**
